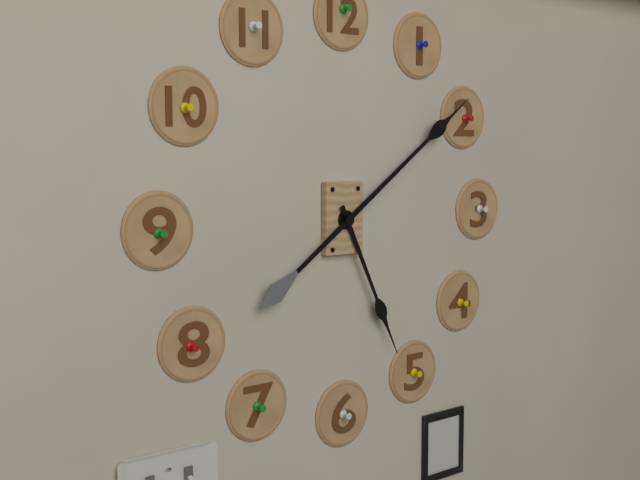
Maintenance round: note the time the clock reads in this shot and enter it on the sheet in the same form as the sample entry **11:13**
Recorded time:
**5:09**
